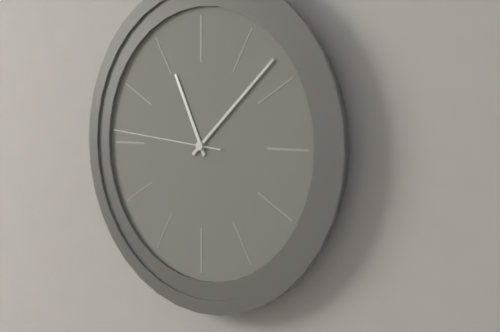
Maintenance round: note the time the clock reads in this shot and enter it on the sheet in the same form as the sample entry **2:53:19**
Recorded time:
**11:08:46**
